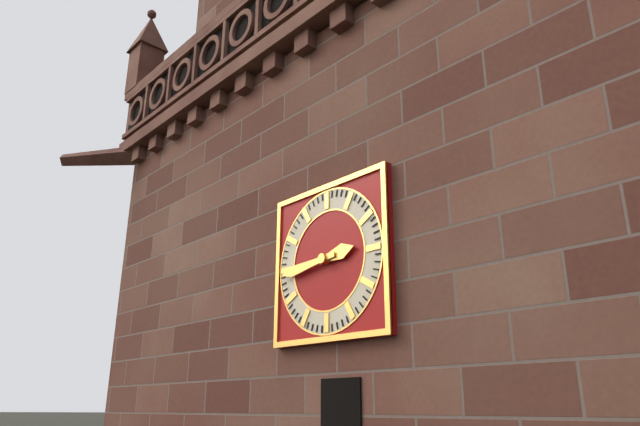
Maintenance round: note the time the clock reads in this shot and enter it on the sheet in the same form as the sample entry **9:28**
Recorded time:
**2:44**
